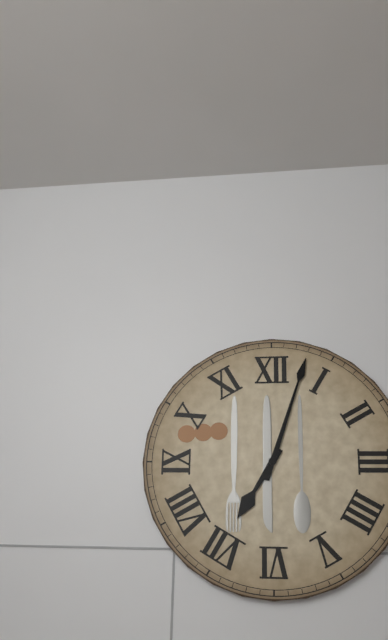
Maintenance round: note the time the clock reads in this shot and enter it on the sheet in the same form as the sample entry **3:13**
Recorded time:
**7:03**
